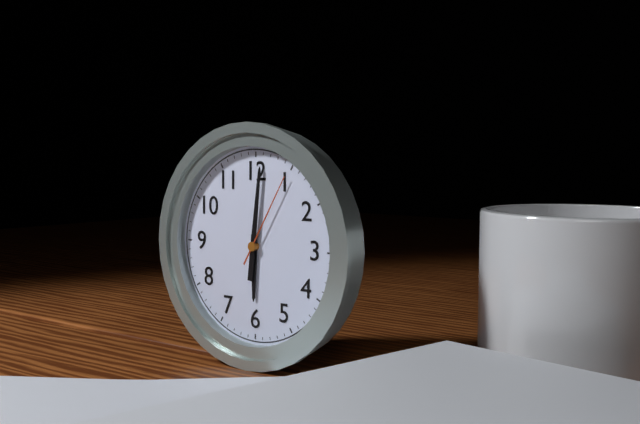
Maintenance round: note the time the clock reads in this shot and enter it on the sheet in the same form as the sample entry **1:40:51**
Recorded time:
**6:01:05**
